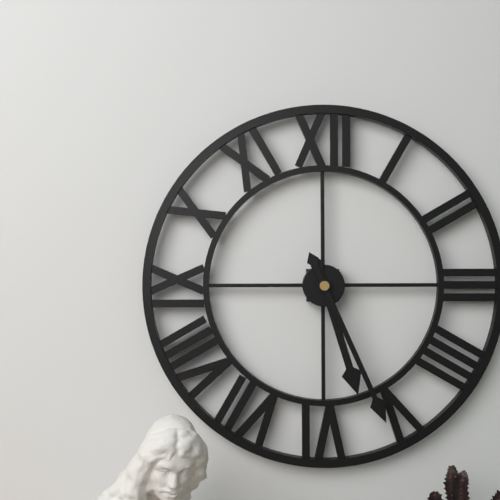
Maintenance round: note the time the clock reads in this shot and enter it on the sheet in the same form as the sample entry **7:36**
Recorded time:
**5:26**
